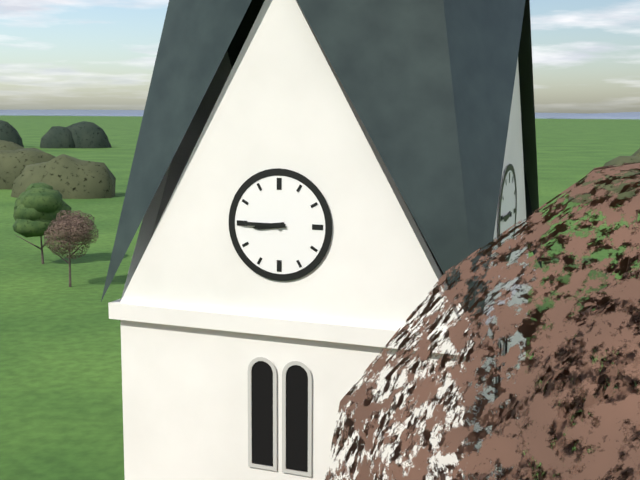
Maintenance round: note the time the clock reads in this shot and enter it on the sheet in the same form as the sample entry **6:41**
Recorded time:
**8:45**
